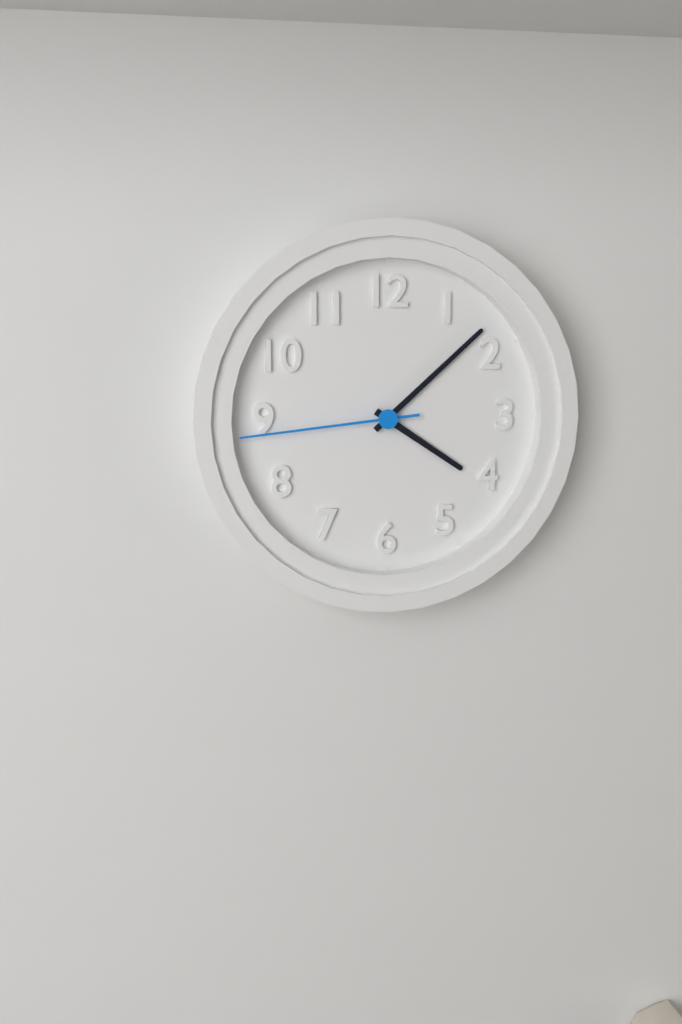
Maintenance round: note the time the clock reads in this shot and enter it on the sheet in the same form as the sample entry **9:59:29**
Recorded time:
**4:08:44**
